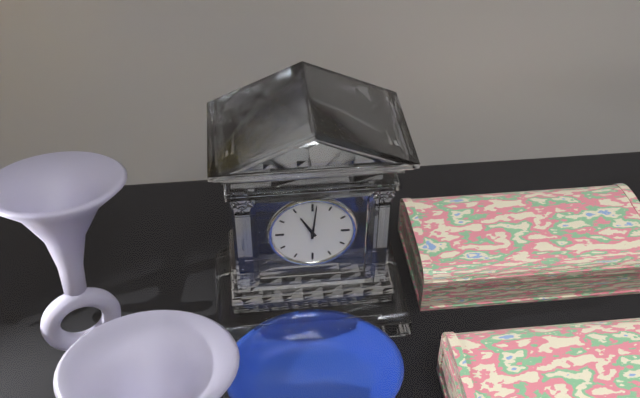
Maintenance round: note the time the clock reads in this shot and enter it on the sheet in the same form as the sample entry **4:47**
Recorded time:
**11:01**
